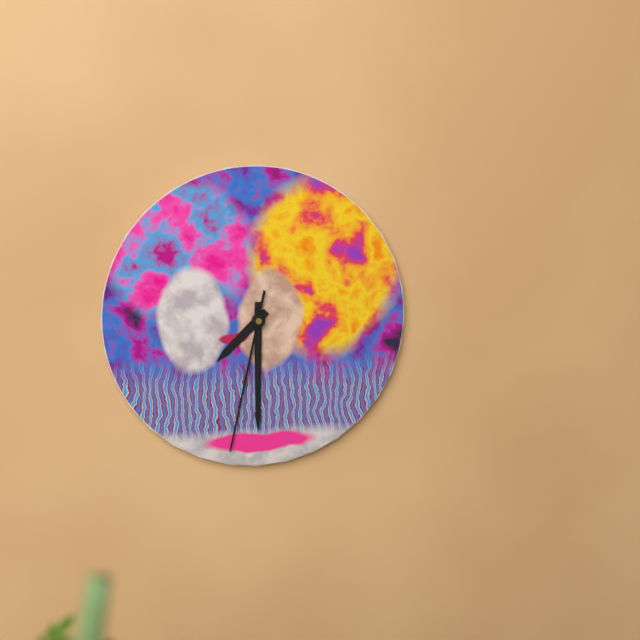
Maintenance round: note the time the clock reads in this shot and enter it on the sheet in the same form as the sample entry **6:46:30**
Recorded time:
**7:30:32**
